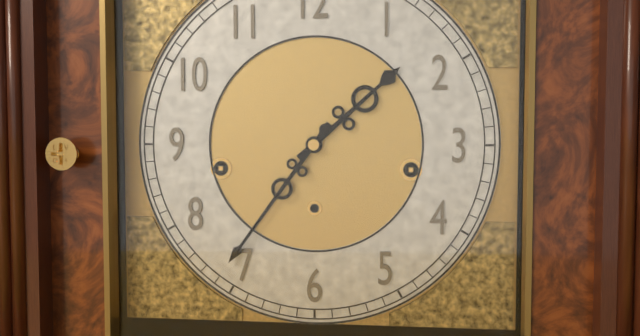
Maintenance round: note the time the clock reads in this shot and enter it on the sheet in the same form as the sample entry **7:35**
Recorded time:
**1:36**
